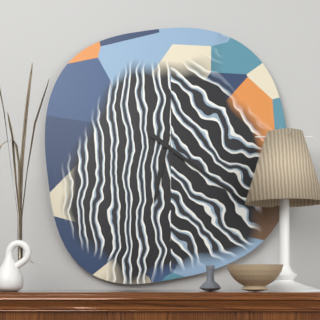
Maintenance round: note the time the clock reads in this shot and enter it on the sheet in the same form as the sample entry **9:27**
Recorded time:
**6:21**
